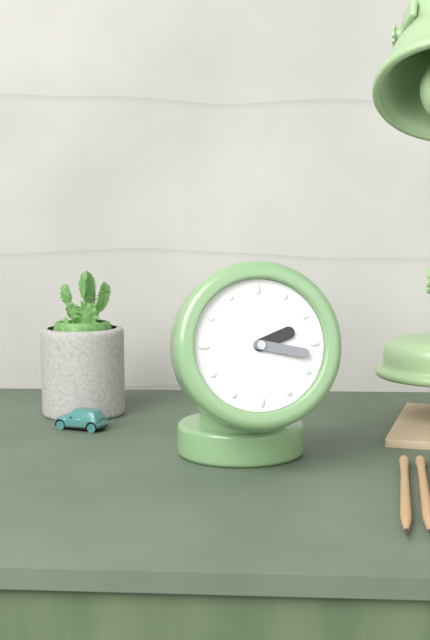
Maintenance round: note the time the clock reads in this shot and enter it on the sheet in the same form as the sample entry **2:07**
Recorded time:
**2:17**
